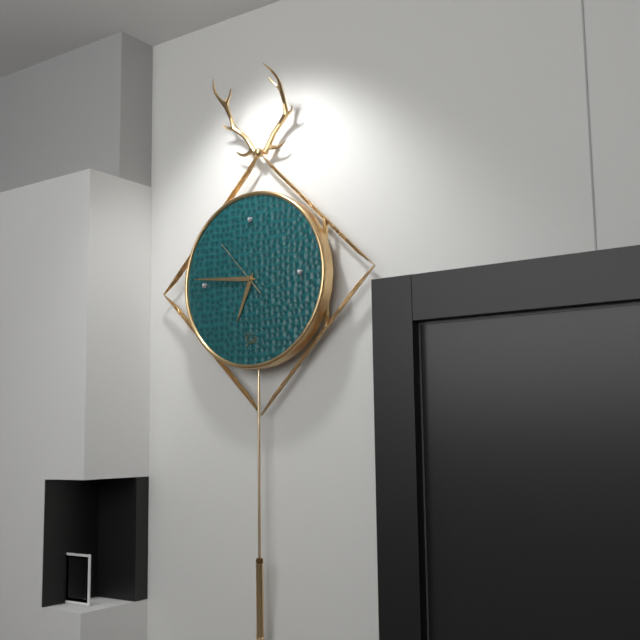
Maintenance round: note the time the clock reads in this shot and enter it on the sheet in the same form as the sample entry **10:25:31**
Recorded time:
**6:46:53**
